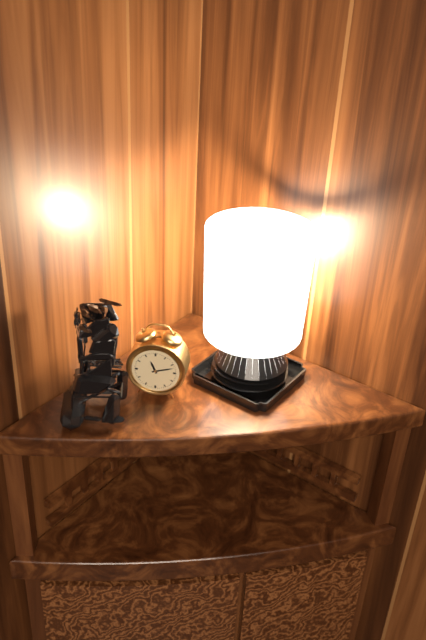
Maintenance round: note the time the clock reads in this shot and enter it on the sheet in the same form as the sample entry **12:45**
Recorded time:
**11:12**
